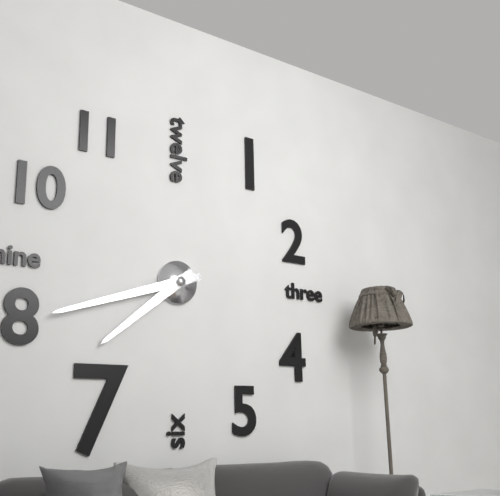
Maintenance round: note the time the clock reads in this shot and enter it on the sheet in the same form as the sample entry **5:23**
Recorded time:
**7:42**
